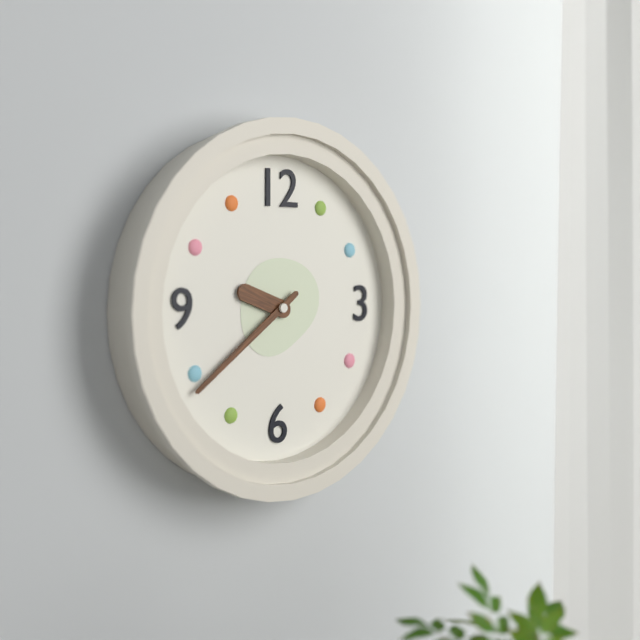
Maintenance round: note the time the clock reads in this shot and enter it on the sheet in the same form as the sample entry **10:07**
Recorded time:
**9:39**
